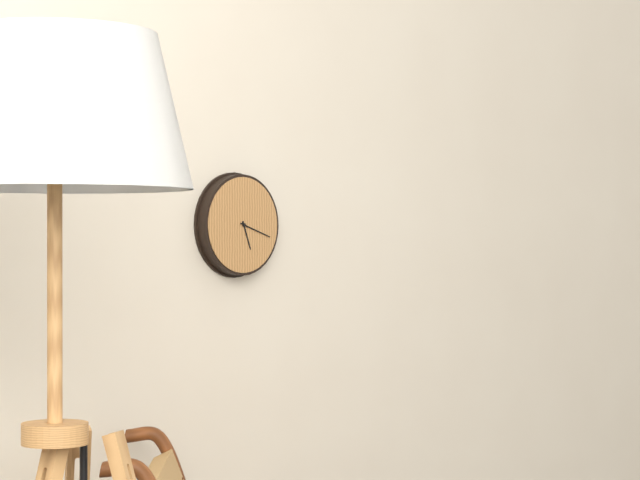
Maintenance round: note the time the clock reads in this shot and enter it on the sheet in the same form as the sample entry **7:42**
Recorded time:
**5:18**
